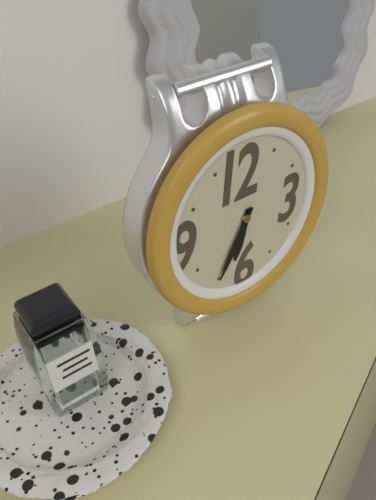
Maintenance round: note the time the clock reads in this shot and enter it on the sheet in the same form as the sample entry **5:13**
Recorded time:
**6:35**
